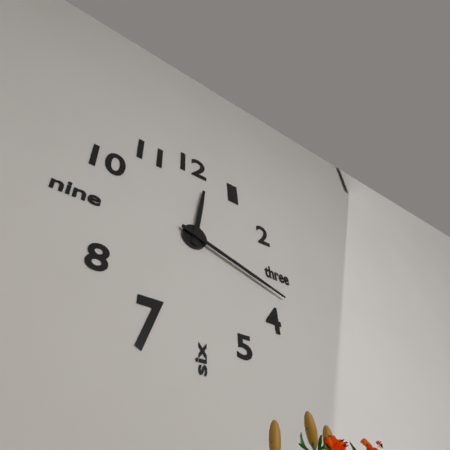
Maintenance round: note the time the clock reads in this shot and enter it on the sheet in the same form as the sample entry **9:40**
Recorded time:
**12:18**
